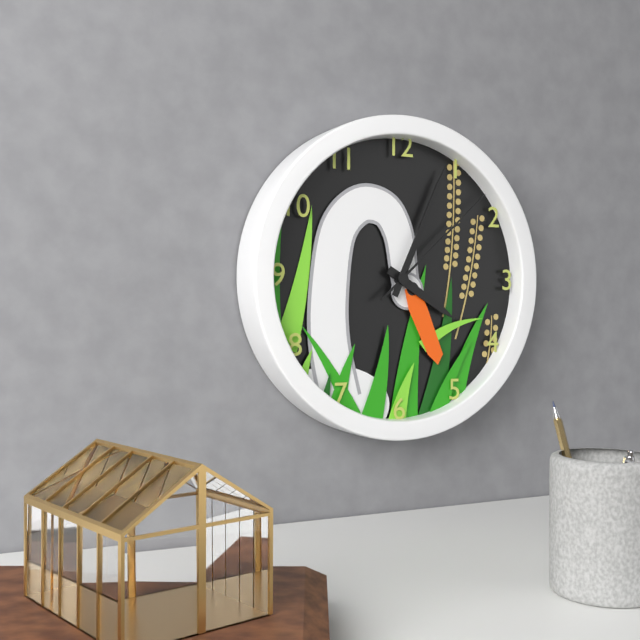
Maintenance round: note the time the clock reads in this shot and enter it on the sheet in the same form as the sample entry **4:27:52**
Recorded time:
**4:04:08**
